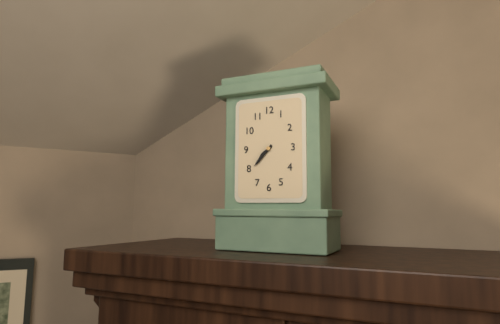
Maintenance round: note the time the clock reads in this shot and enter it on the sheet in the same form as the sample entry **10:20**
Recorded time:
**7:37**
